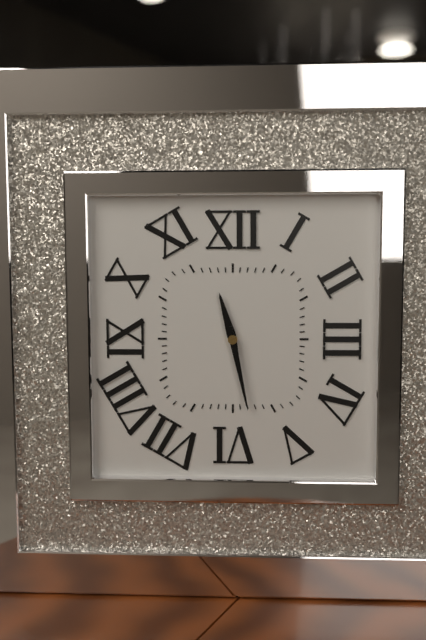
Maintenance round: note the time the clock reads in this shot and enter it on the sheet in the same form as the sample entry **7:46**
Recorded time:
**11:28**
